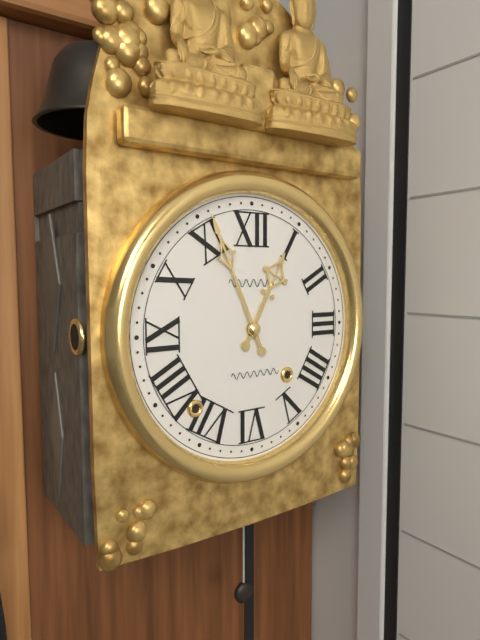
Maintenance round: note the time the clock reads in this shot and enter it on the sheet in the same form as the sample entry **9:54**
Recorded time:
**12:56**
